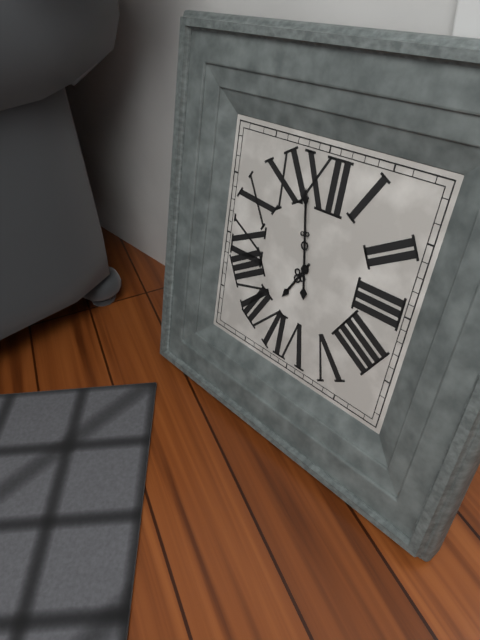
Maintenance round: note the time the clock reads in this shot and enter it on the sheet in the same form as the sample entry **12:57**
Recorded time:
**6:58**
